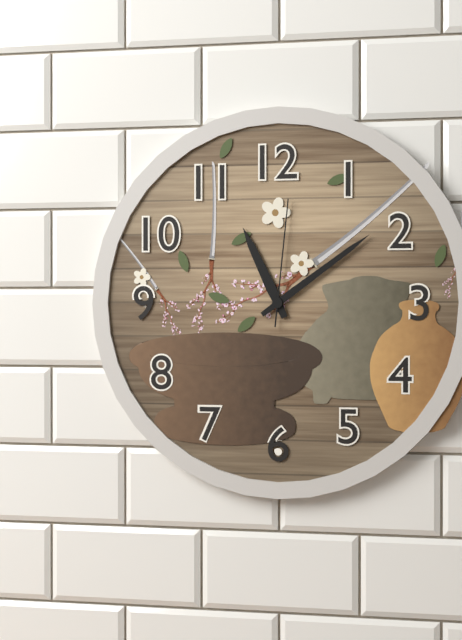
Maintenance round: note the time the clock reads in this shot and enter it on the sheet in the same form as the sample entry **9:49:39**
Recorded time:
**11:09:01**
